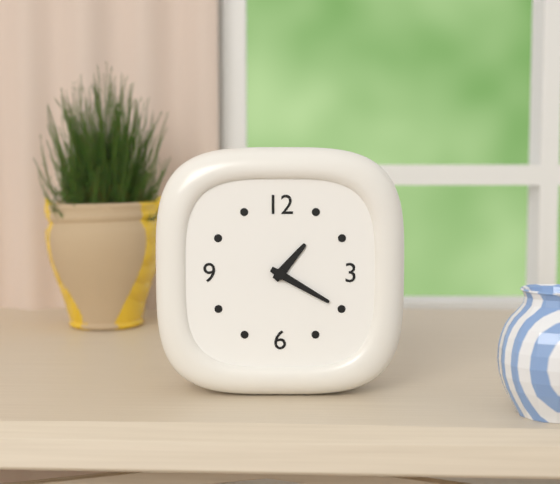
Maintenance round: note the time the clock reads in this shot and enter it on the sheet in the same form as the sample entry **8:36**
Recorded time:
**1:20**
